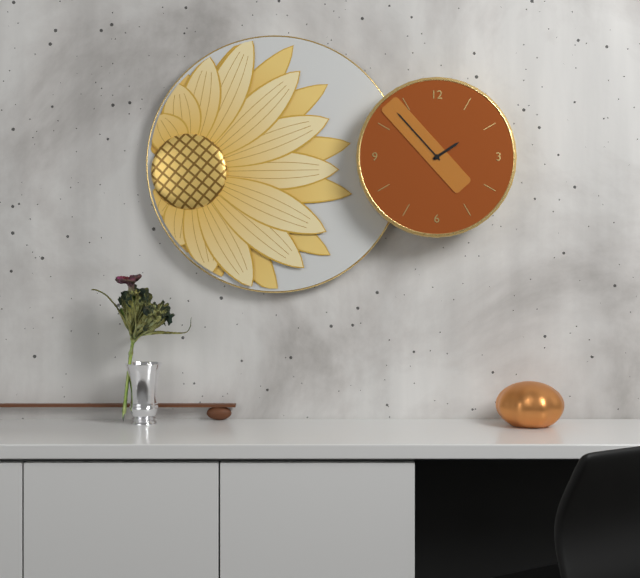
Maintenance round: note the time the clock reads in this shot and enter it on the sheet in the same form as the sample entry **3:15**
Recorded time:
**1:53**
